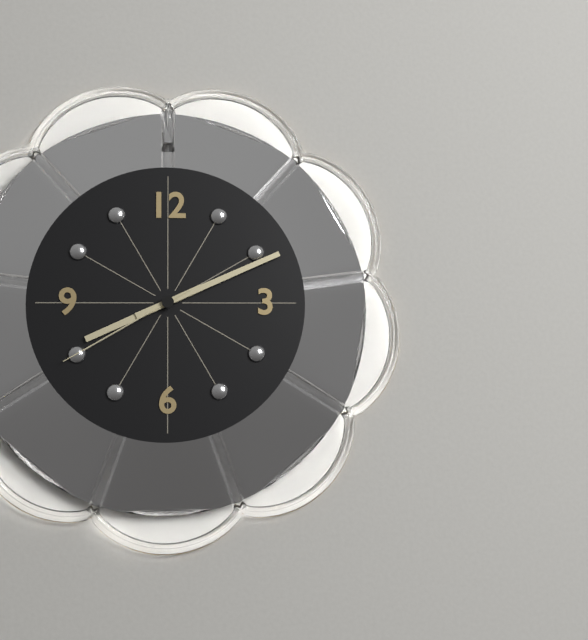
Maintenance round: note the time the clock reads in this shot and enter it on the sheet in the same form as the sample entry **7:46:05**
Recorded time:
**8:11:40**
